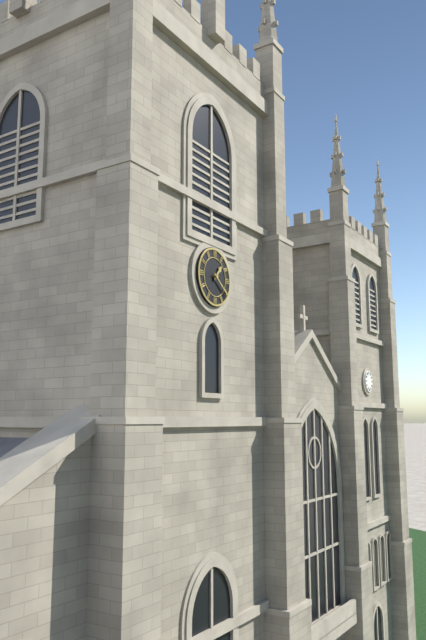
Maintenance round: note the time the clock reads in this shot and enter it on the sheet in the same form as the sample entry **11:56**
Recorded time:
**1:21**
